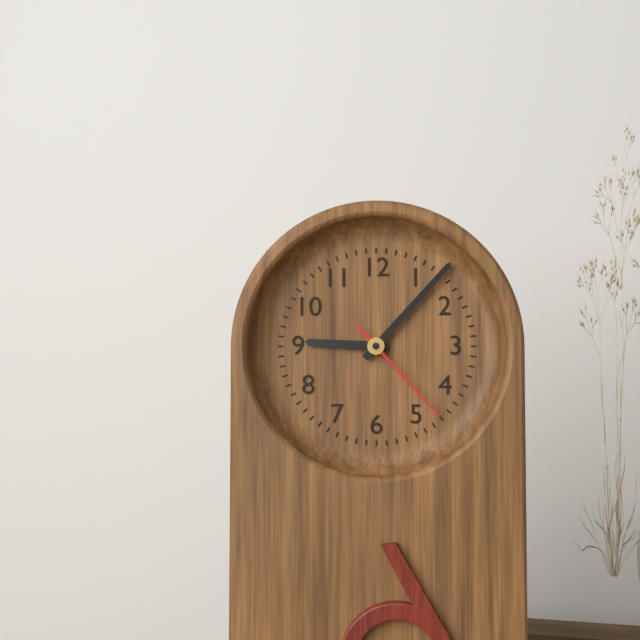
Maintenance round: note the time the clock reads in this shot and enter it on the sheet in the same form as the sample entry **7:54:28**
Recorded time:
**9:07:23**
